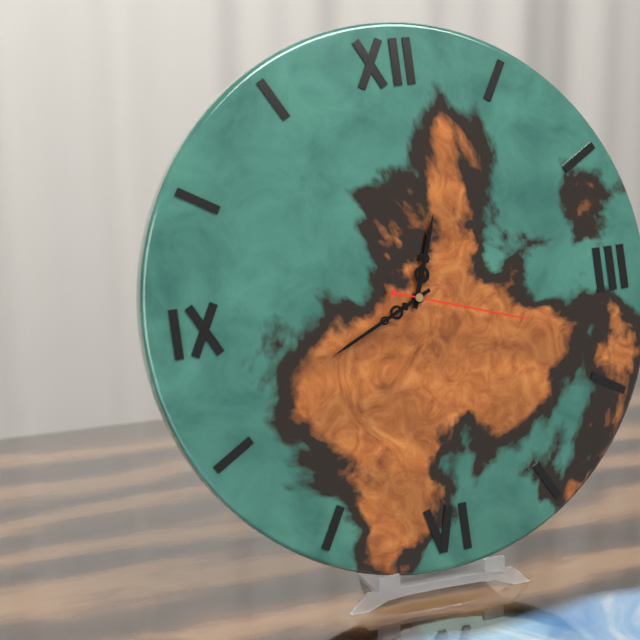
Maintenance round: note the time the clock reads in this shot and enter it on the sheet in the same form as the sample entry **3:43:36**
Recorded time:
**12:41:18**
